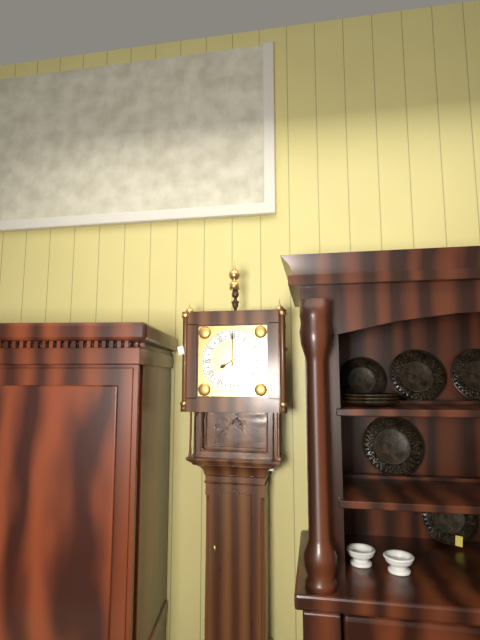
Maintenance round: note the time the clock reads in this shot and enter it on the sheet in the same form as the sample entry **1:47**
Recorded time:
**8:00**
